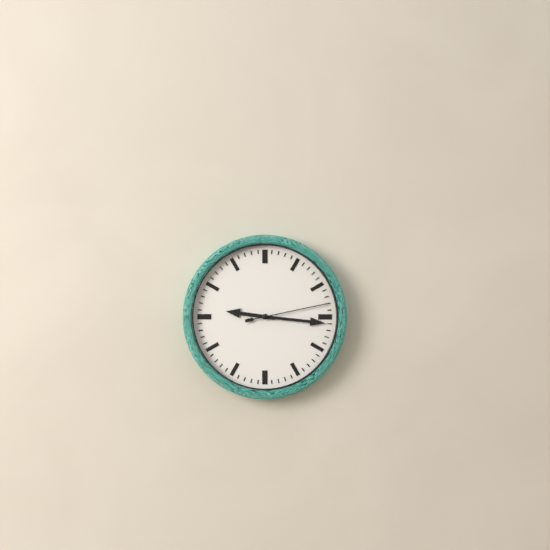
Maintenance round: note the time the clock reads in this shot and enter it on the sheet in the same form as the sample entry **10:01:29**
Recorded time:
**9:16:13**
